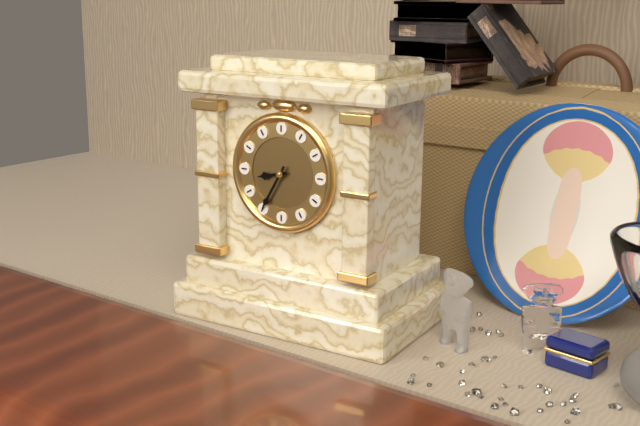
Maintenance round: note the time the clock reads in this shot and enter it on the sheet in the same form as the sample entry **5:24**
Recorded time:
**8:35**
